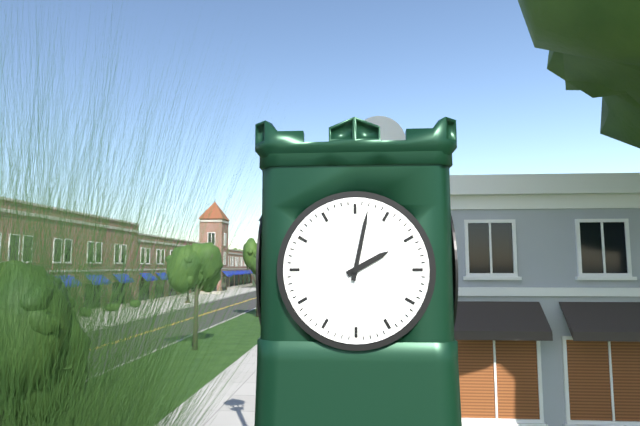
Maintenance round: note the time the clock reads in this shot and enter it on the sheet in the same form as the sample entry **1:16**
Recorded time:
**2:02**
